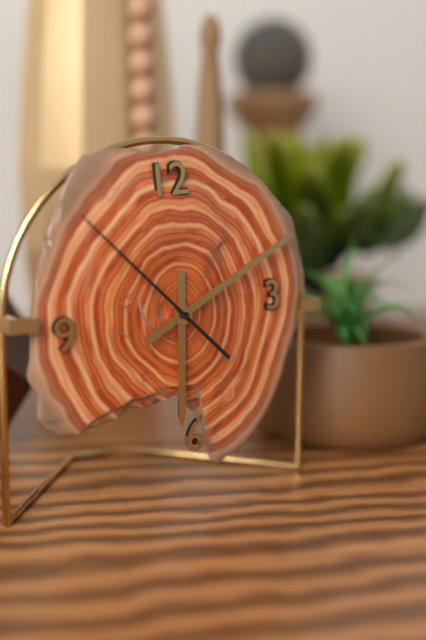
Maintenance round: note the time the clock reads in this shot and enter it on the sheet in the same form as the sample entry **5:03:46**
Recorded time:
**6:11:53**
